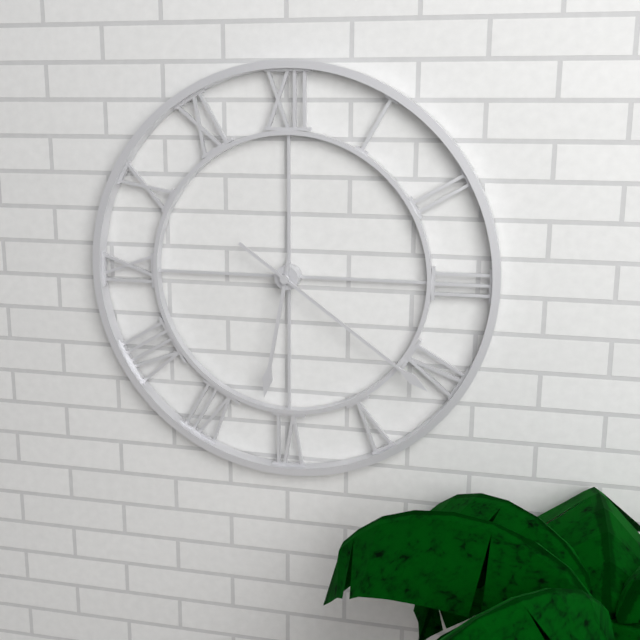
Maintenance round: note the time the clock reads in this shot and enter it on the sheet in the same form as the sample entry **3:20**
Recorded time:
**6:21**
